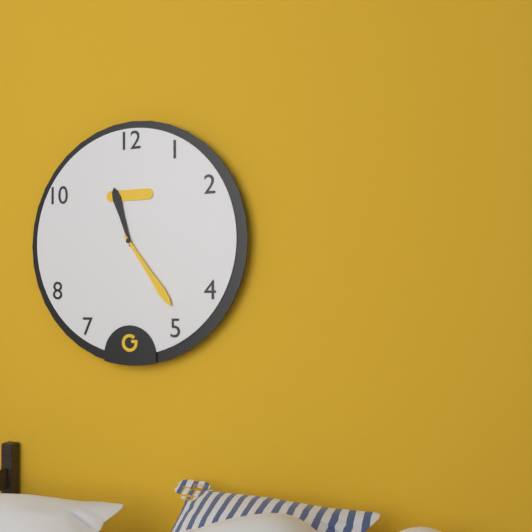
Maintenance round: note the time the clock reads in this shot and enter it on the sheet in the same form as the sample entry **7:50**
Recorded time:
**11:24**
